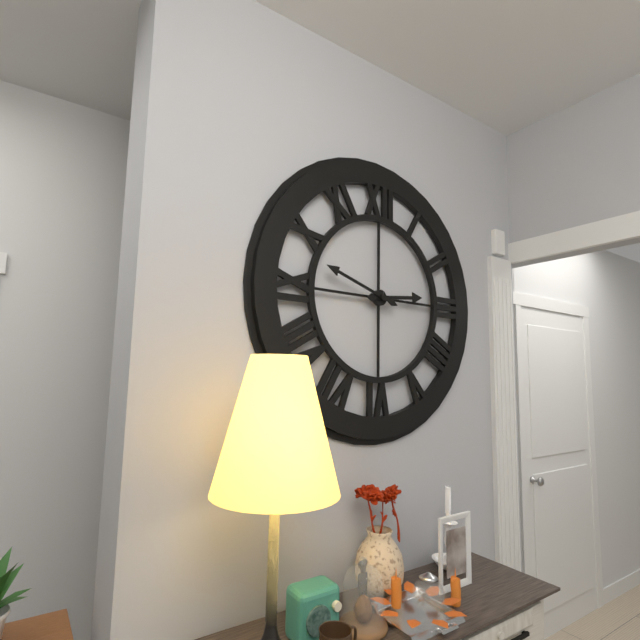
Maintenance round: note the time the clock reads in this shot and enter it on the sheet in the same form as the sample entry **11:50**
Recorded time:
**2:48**
